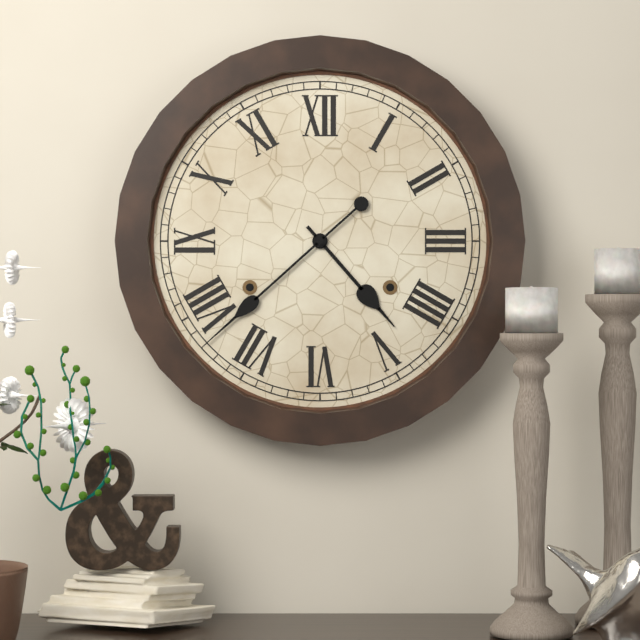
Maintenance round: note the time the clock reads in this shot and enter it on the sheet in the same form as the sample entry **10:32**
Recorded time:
**4:38**
